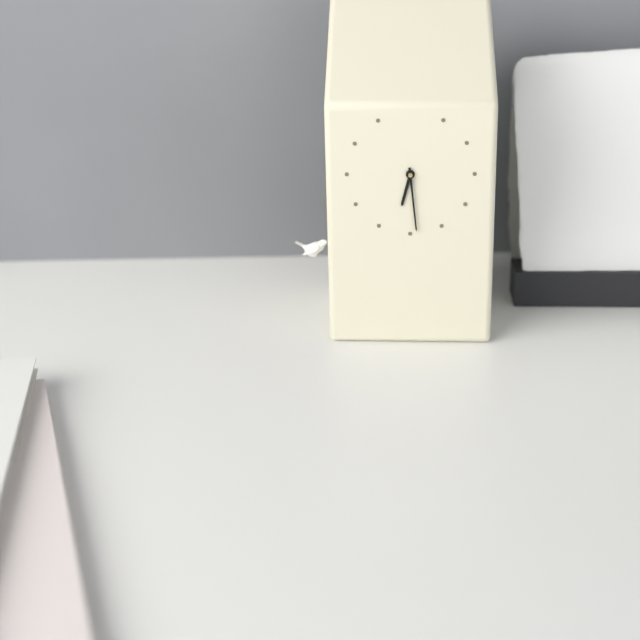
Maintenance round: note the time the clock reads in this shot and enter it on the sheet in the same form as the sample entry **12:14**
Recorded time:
**6:29**
